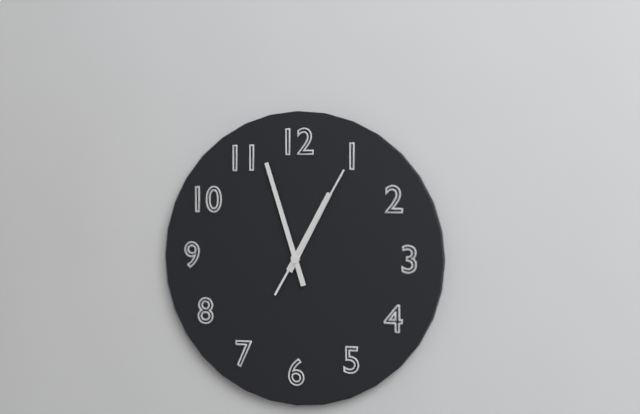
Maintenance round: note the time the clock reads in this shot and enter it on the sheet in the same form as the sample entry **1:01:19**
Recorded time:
**12:57:05**
